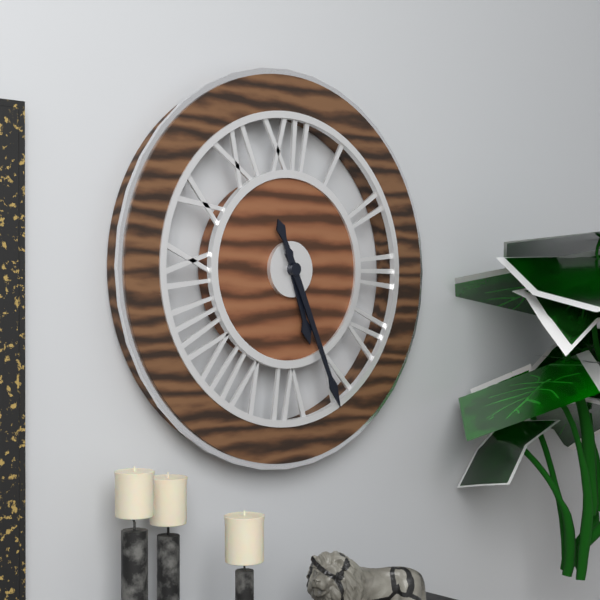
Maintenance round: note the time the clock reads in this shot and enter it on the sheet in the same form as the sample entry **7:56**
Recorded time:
**5:26**
